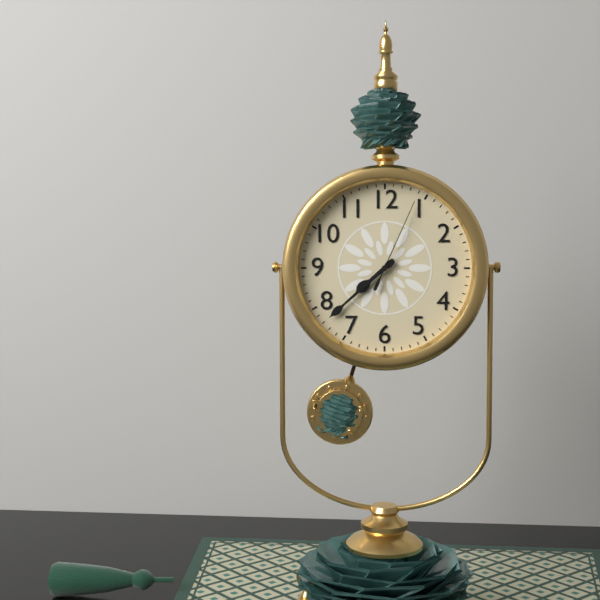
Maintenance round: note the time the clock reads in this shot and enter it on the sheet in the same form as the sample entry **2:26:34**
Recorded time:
**7:38:04**
